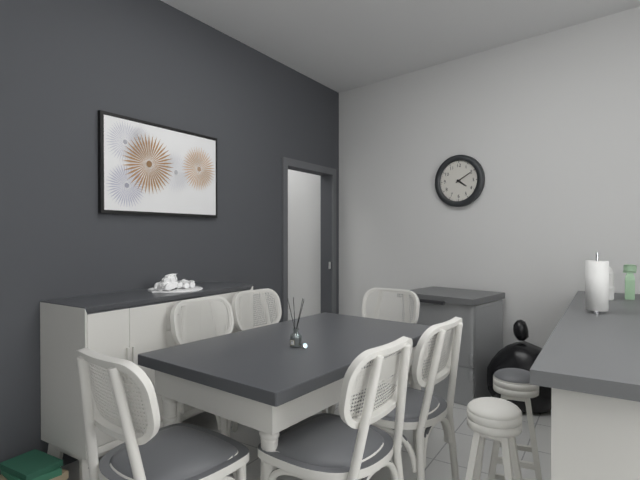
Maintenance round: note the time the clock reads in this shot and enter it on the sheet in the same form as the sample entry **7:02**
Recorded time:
**4:10**
